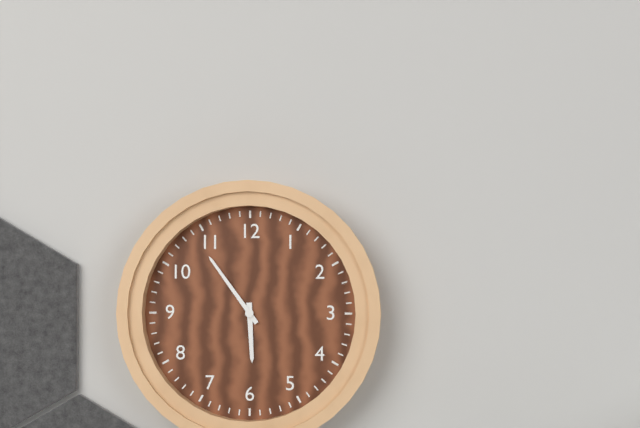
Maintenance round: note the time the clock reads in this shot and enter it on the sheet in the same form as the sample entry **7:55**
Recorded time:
**5:54**
